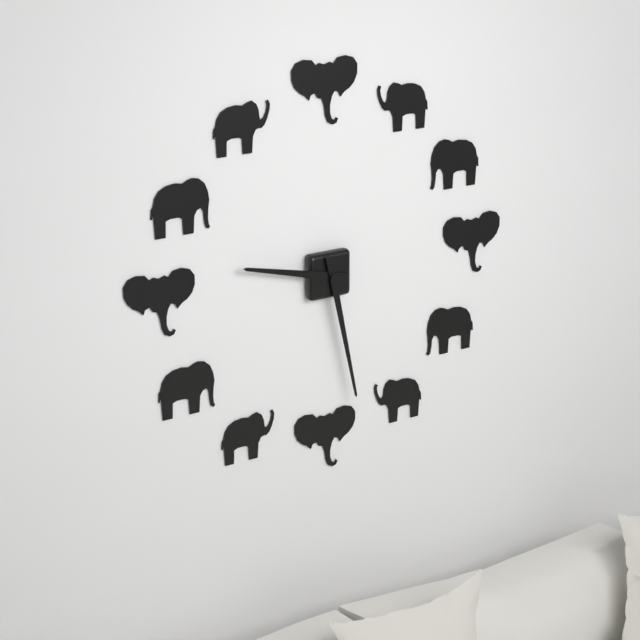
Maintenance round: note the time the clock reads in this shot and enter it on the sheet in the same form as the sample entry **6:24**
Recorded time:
**9:28**
